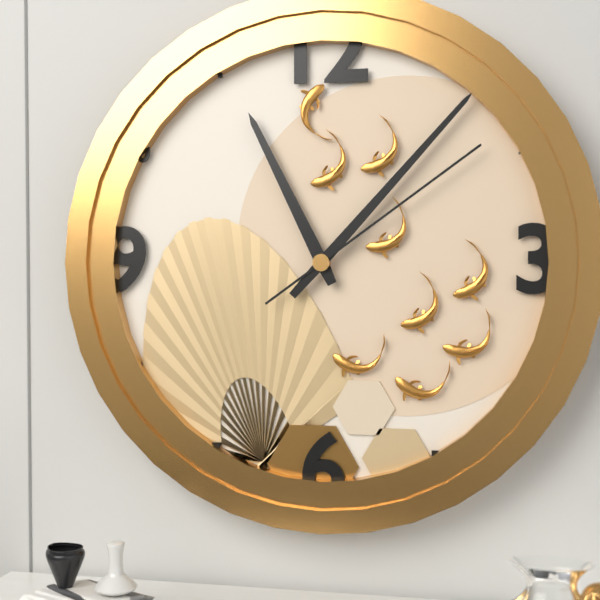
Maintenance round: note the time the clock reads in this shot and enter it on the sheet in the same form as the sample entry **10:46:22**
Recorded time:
**11:07:09**
